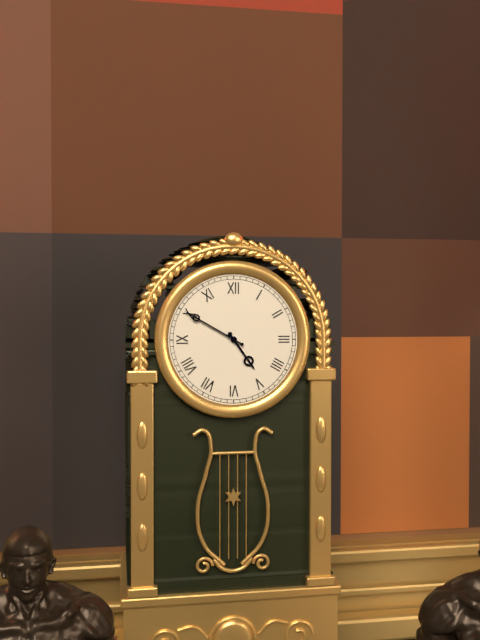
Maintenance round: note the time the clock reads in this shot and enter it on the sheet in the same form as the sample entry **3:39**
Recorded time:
**4:50**
